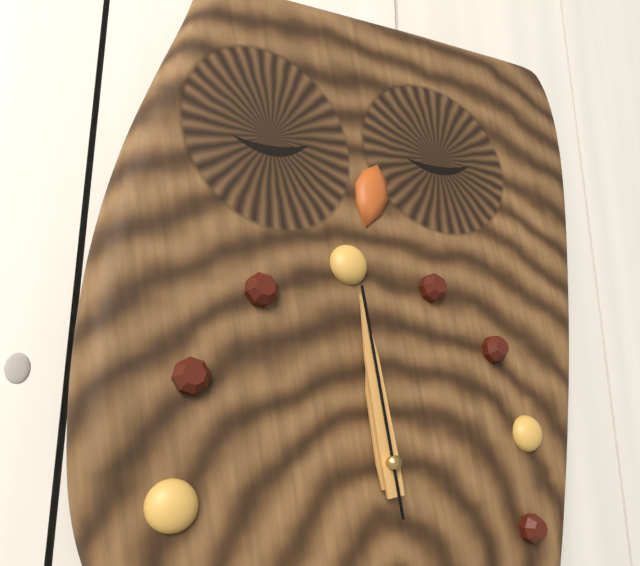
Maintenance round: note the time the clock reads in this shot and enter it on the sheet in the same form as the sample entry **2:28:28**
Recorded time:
**12:00:00**
